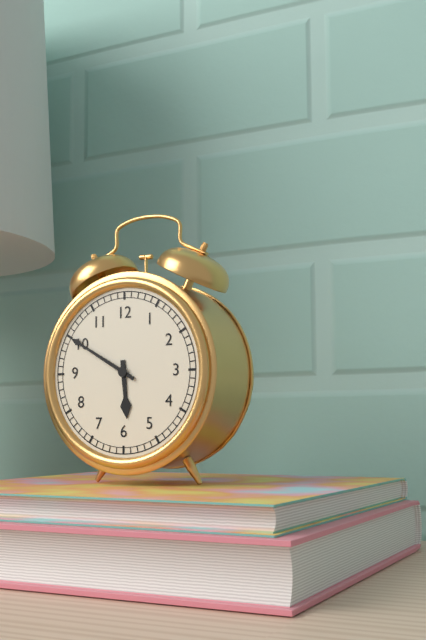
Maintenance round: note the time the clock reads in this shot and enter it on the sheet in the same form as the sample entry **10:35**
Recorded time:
**5:50**
